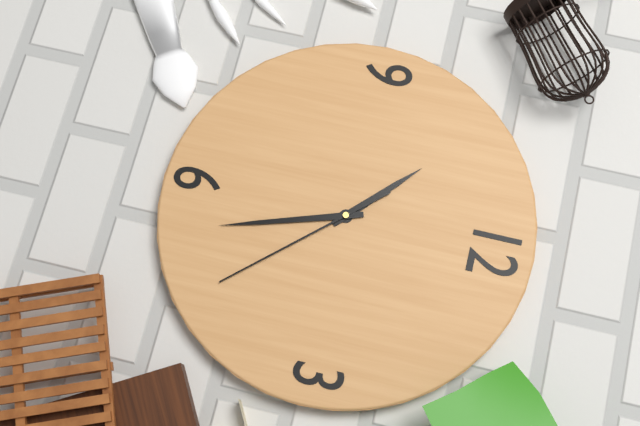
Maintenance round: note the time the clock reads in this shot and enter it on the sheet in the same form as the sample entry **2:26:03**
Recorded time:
**10:27:23**
